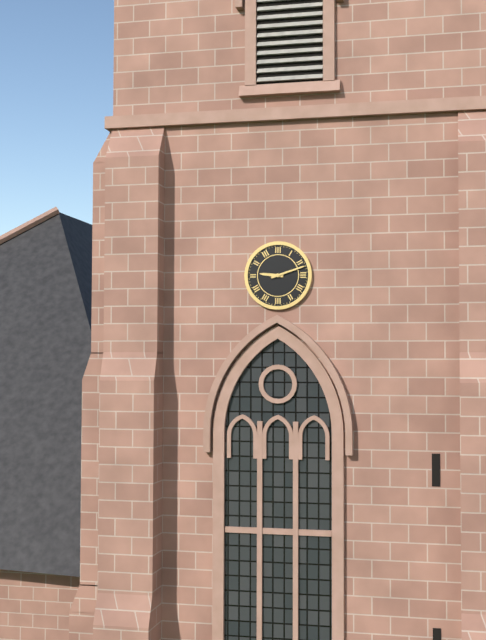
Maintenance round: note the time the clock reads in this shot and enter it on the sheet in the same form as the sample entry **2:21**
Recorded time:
**9:12**
